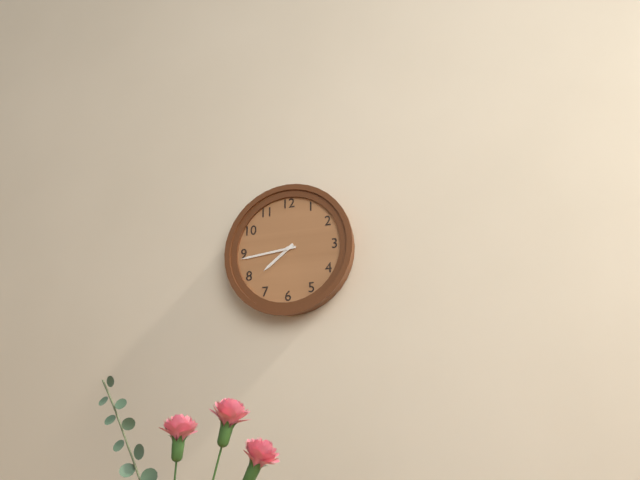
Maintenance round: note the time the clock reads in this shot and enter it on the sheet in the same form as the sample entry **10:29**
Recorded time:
**7:44**
